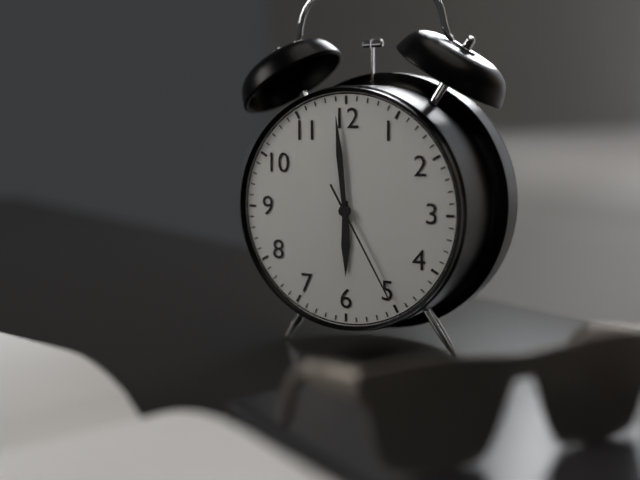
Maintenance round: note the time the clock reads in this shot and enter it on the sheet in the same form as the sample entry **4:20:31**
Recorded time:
**5:59:25**
